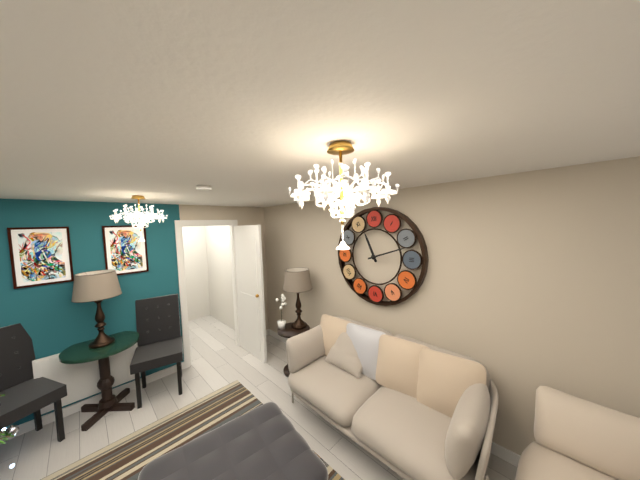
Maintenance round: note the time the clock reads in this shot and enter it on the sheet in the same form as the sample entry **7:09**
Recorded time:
**11:12**
